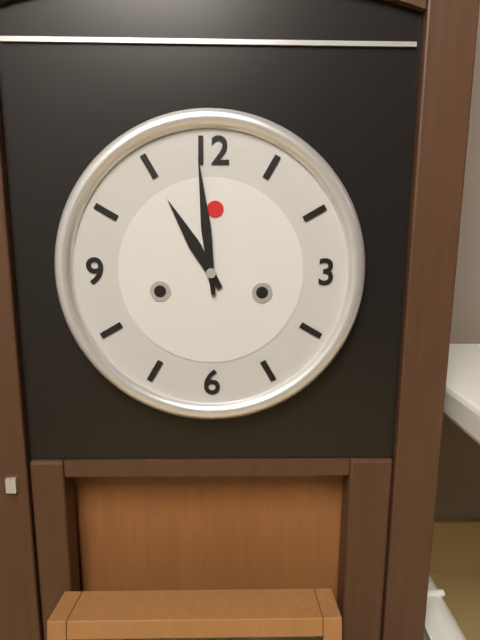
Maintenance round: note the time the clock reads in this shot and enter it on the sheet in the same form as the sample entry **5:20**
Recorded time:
**10:59**
